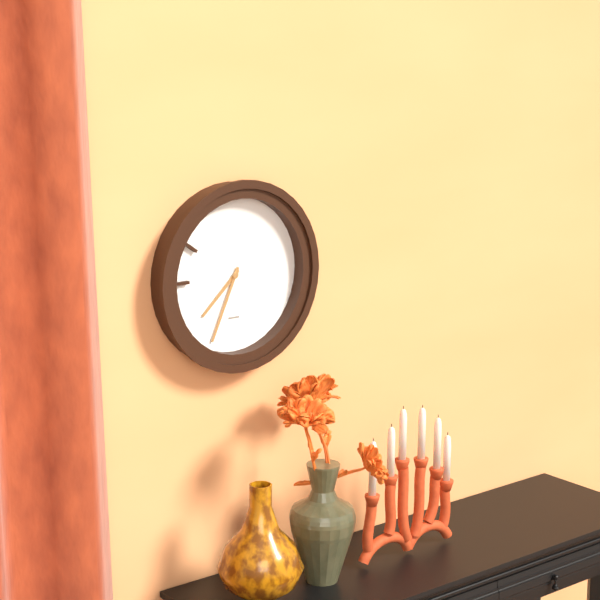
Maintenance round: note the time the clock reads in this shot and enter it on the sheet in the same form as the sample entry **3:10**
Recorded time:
**7:34**
